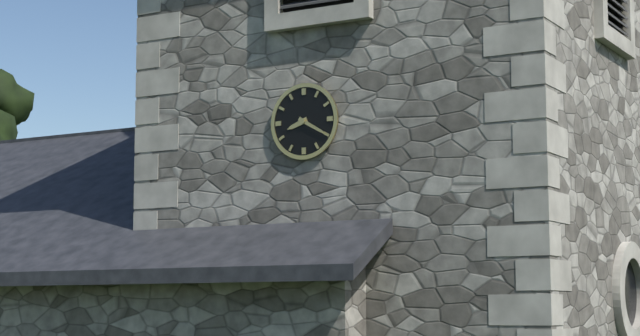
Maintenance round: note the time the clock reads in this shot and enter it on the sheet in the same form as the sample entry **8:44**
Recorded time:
**8:20**
